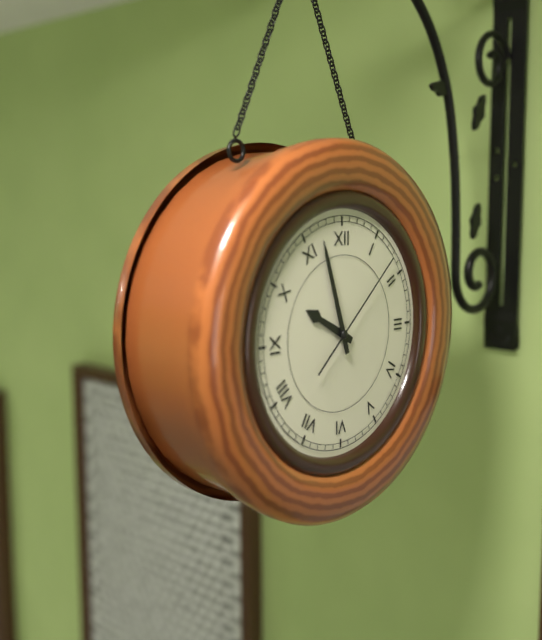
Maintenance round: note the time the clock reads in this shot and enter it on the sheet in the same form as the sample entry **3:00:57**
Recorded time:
**9:57:08**
